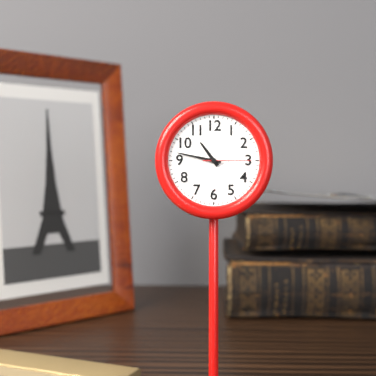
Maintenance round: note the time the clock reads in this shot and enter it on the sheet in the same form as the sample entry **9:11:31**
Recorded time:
**10:47:15**
